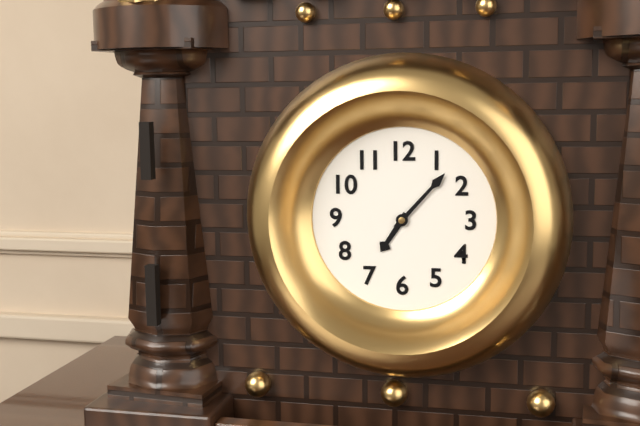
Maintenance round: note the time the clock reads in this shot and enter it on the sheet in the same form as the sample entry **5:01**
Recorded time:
**7:07**
